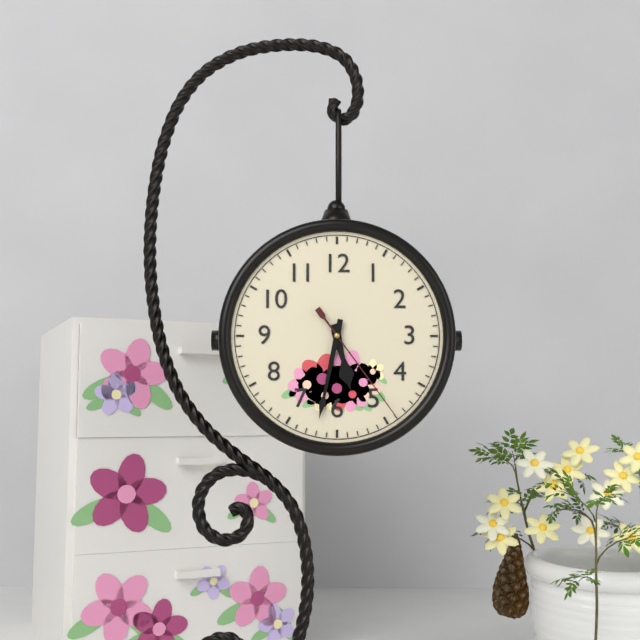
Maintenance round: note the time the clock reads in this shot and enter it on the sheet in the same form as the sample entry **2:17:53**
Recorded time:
**5:32:24**
